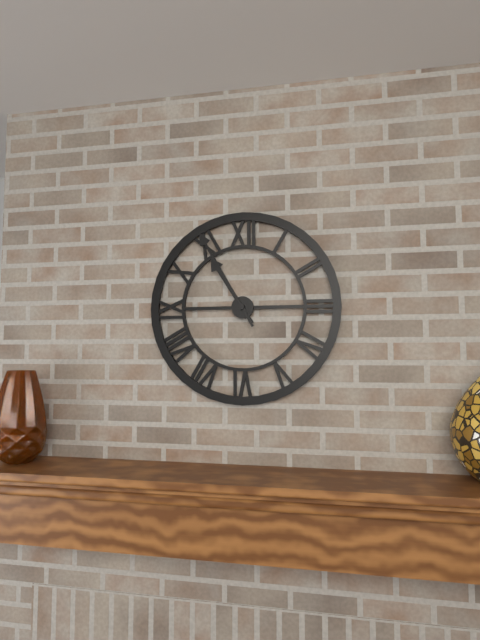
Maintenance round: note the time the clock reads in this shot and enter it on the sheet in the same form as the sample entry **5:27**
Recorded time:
**10:55**
